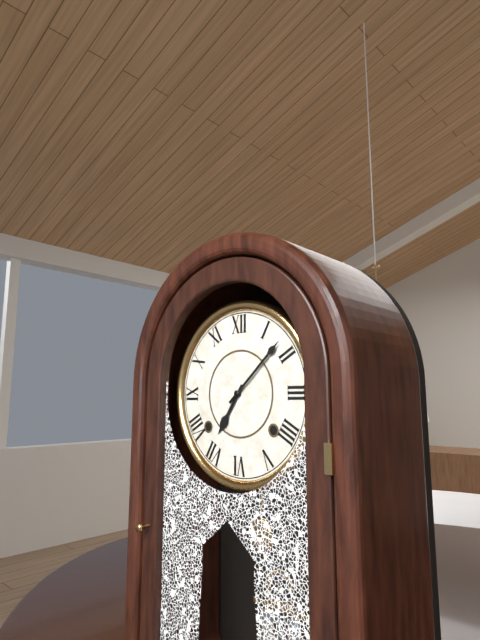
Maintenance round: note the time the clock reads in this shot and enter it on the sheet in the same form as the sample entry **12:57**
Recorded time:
**7:08**
